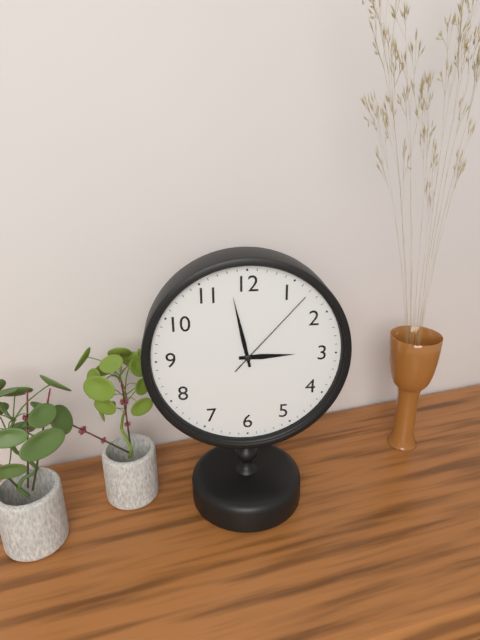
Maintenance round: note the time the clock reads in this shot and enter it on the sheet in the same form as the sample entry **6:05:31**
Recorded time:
**2:58:07**
